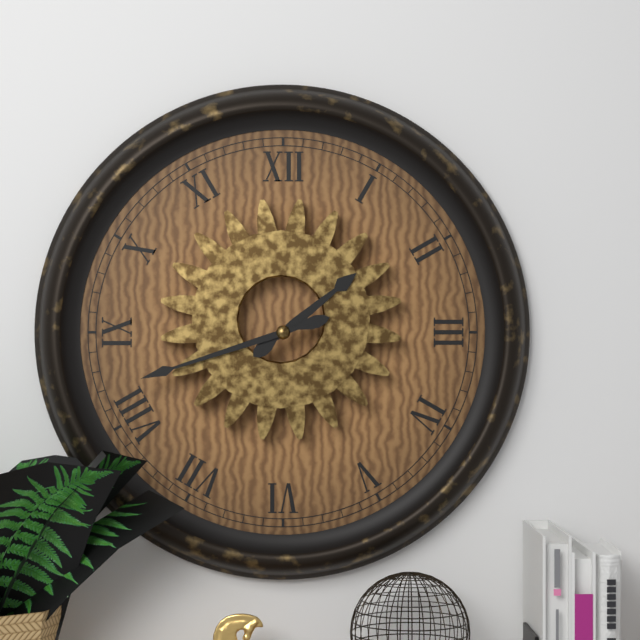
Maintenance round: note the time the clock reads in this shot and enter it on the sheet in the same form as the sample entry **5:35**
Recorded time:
**1:42**
